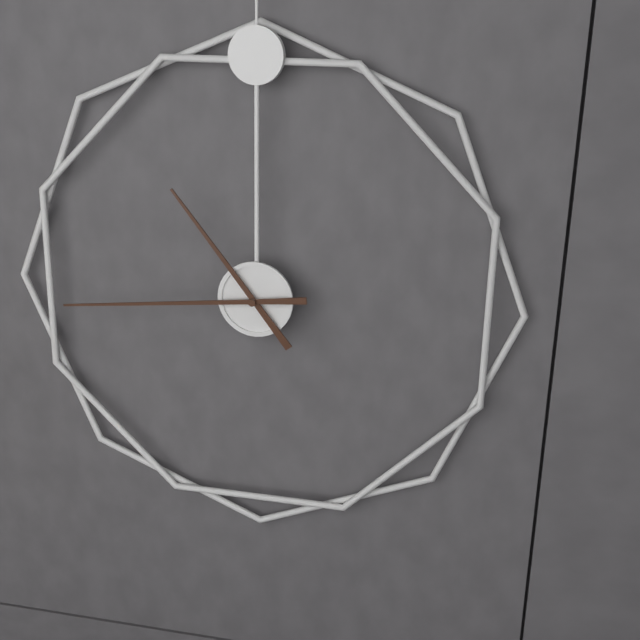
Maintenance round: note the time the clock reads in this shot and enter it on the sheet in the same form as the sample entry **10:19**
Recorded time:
**10:44**
